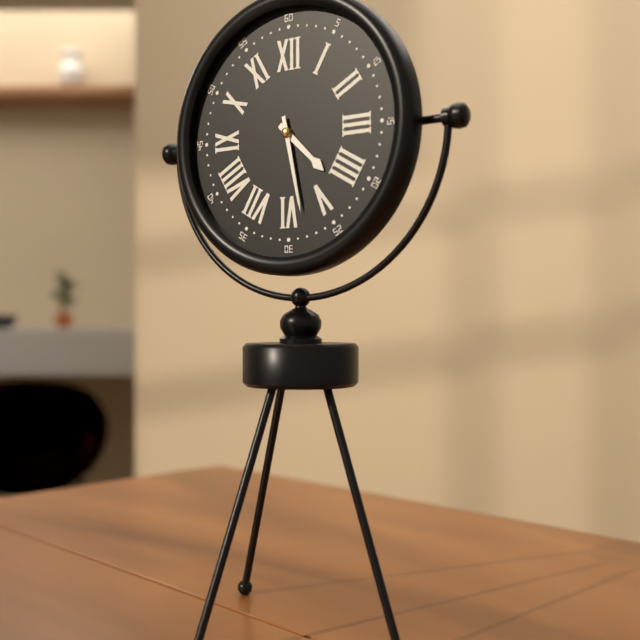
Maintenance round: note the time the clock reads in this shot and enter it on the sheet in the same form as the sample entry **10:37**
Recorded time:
**4:28**
